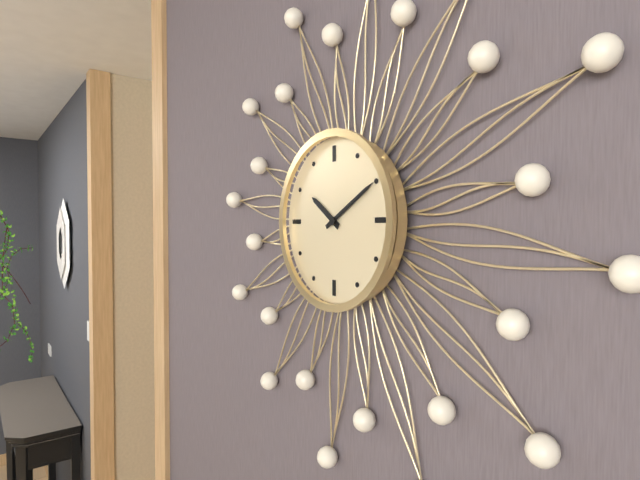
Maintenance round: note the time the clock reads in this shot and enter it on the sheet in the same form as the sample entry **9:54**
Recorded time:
**10:10**
